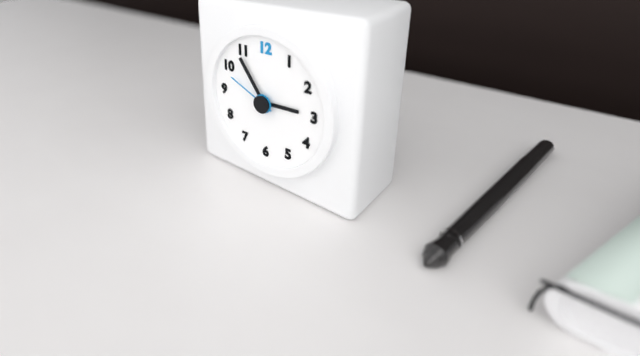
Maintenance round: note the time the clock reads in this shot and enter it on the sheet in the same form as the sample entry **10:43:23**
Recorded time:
**2:54:49**
